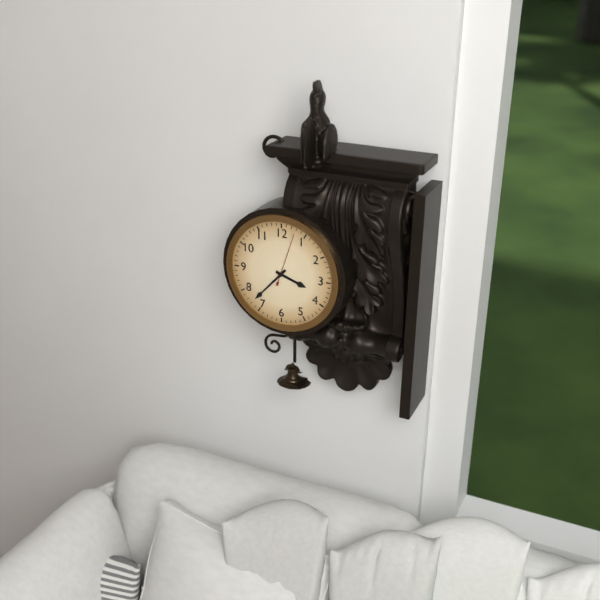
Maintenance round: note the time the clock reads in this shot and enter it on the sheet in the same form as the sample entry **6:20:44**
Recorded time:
**3:37:03**
